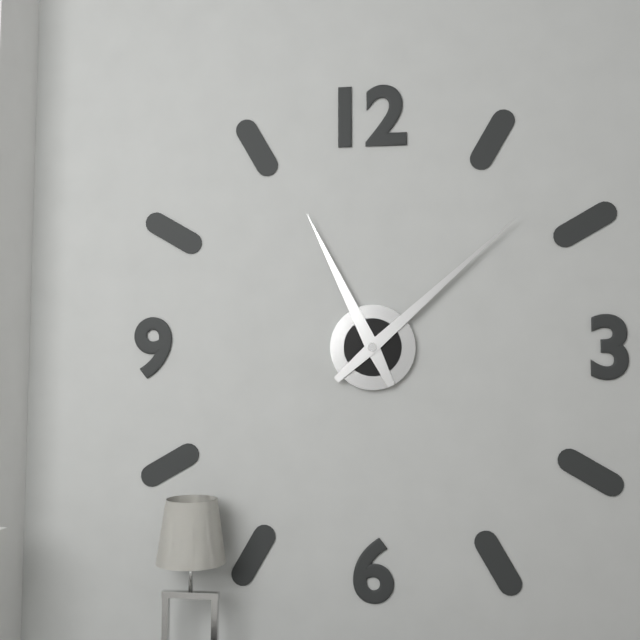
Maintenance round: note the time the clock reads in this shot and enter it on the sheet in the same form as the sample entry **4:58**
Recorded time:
**11:08**
